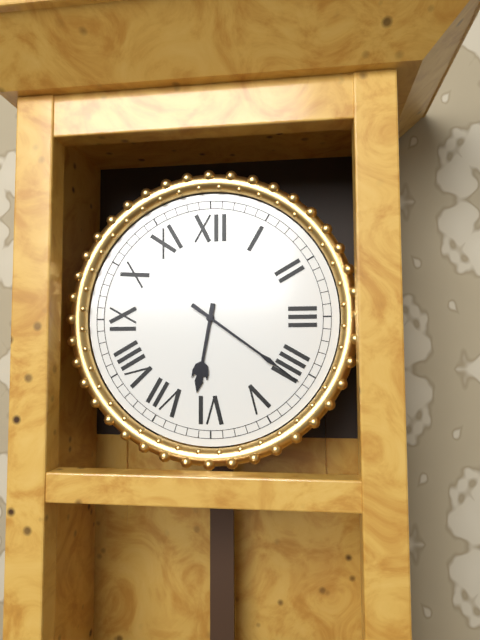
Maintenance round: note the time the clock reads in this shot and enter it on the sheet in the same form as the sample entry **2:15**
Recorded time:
**6:21**
